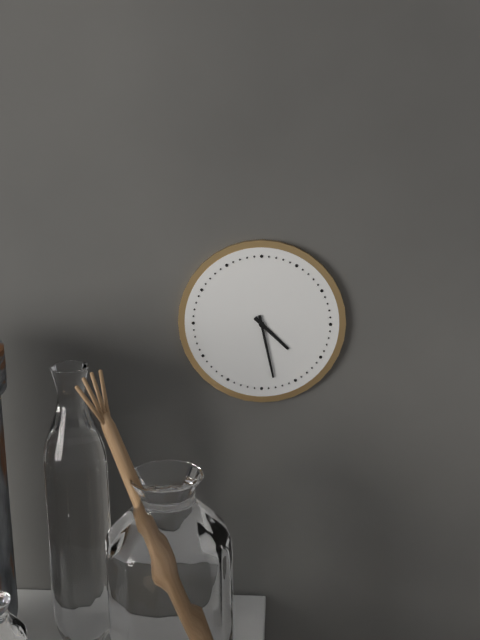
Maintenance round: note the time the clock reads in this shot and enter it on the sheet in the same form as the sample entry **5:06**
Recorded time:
**4:28**
